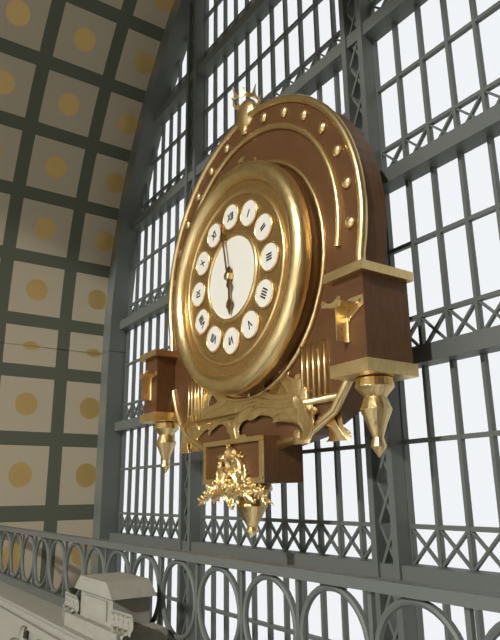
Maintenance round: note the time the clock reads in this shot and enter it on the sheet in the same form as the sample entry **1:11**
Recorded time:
**5:58**
